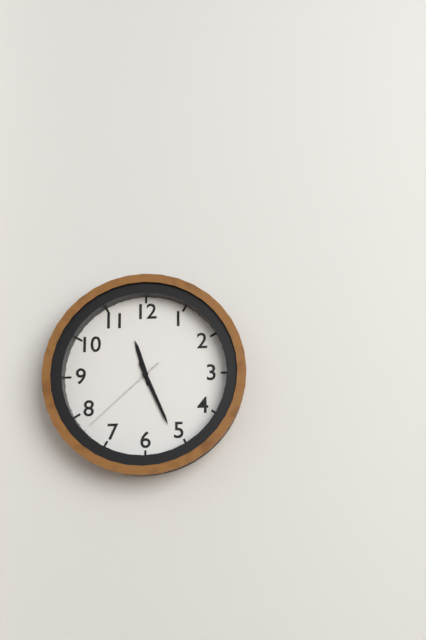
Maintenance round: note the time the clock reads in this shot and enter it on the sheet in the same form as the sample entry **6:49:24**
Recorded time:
**11:26:38**
